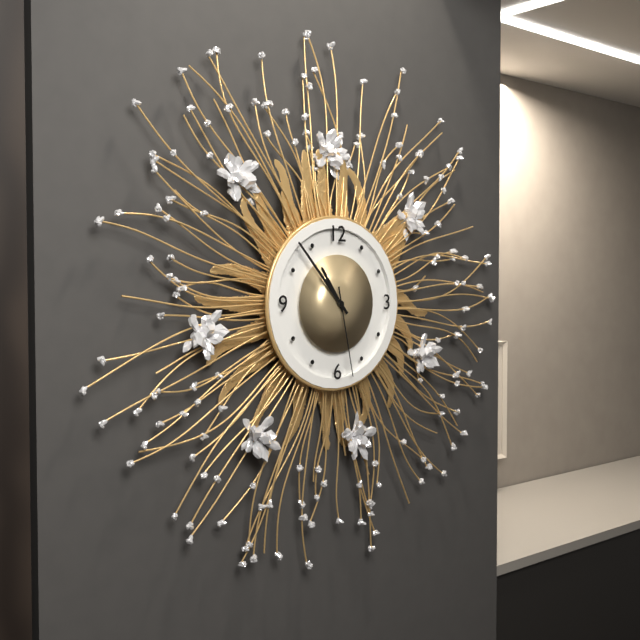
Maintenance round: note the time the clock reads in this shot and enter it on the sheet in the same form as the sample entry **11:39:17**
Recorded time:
**10:53:28**
